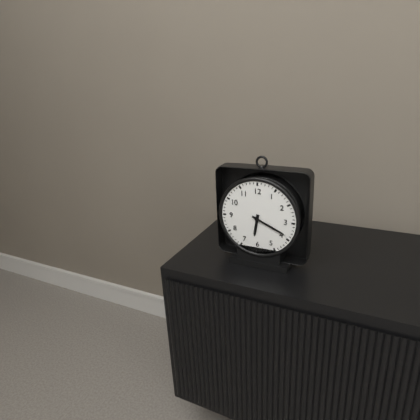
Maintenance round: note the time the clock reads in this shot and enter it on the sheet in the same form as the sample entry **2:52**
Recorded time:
**6:19**
